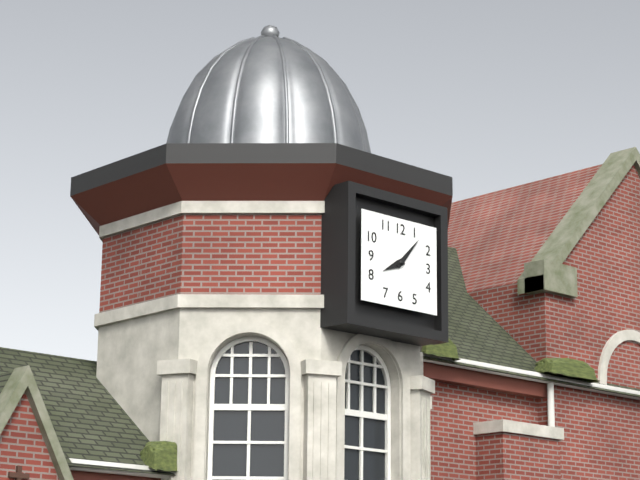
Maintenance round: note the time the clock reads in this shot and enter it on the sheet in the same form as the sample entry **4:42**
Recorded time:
**8:07**
